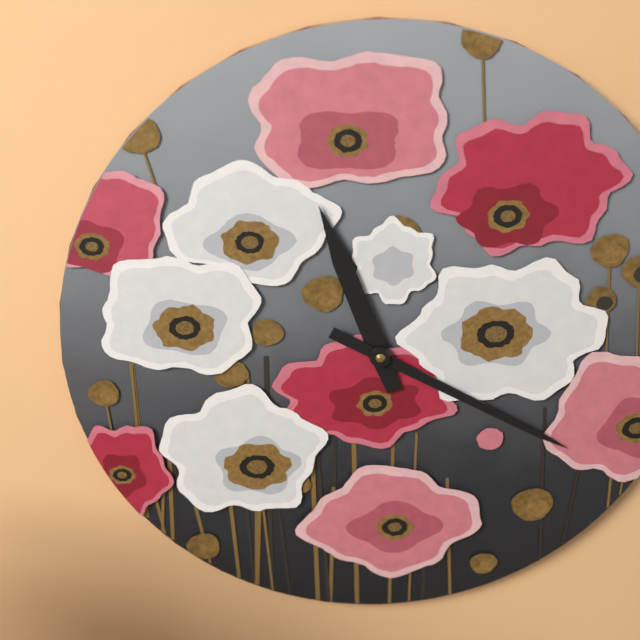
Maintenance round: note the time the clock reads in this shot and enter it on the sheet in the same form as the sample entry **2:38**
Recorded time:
**11:20**
